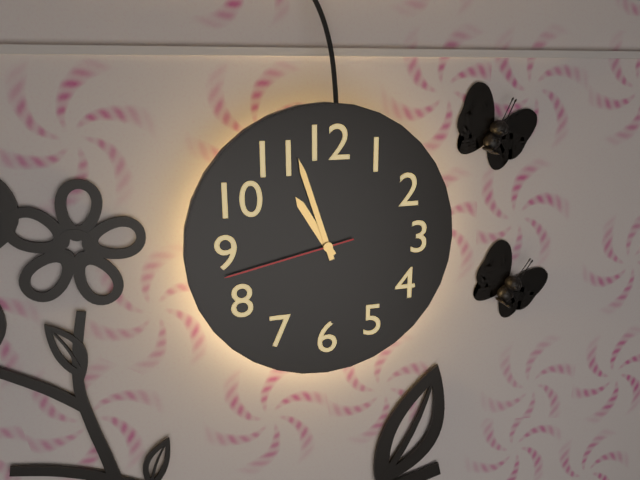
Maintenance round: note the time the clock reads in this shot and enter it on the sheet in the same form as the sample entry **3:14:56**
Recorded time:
**10:57:43**
